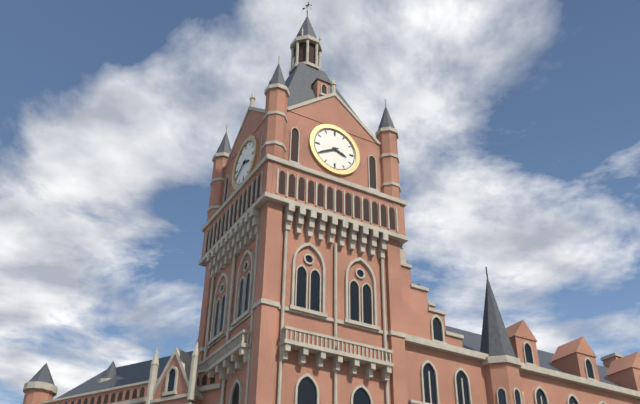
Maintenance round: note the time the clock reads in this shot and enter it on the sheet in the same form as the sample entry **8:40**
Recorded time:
**3:40**
